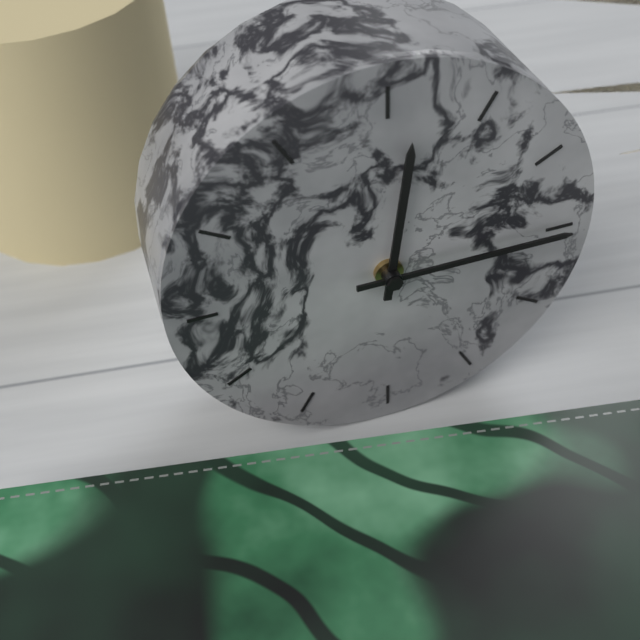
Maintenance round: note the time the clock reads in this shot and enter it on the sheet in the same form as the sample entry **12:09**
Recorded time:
**12:15**
